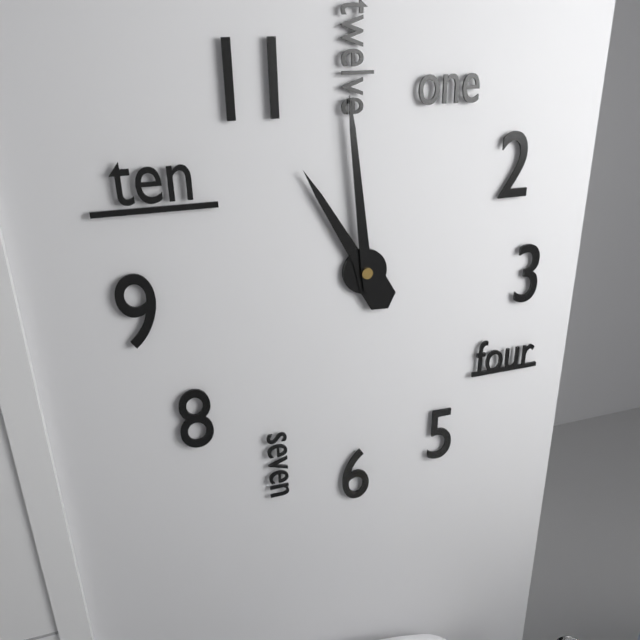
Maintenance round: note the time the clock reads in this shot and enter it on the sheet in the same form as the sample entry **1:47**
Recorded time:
**10:59**
